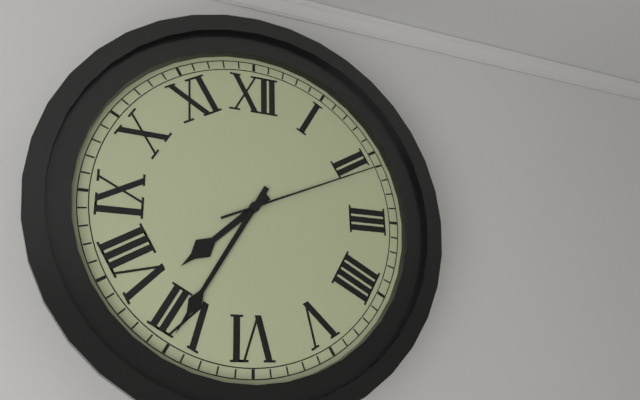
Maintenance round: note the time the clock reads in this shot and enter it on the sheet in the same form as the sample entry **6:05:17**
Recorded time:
**7:35:11**
